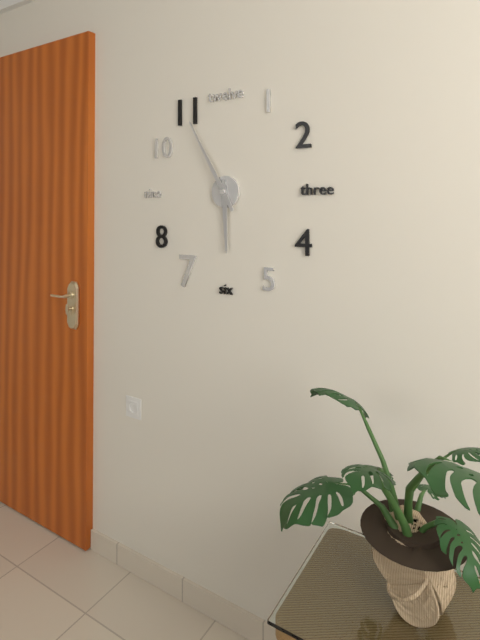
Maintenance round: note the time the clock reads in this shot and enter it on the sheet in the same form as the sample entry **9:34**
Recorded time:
**5:55**
